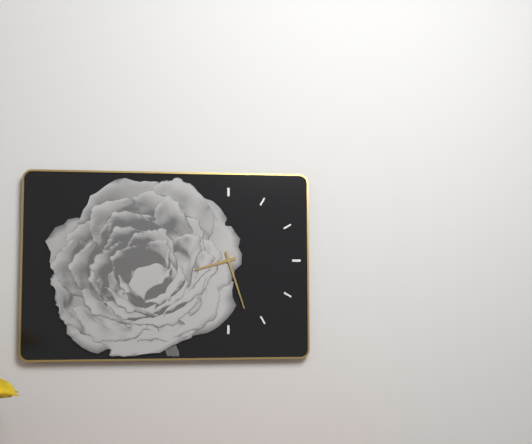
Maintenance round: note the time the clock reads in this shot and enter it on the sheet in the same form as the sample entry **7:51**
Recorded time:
**8:27**
